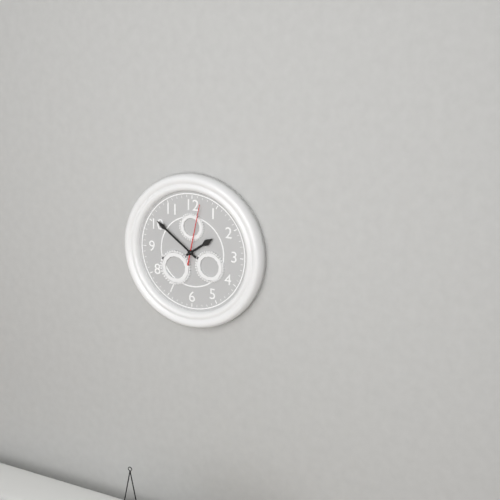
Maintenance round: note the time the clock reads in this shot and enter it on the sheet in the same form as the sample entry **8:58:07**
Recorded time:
**1:51:02**
